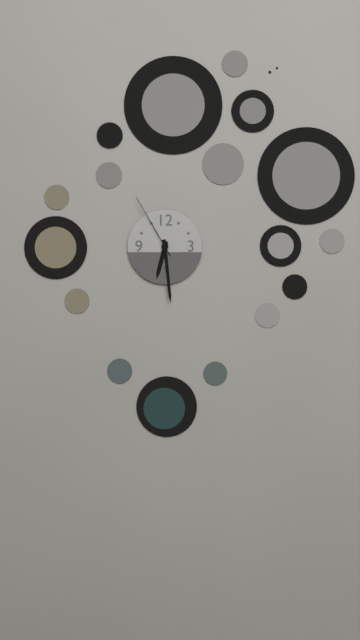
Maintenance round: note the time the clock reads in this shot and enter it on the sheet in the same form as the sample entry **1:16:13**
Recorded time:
**6:29:55**
